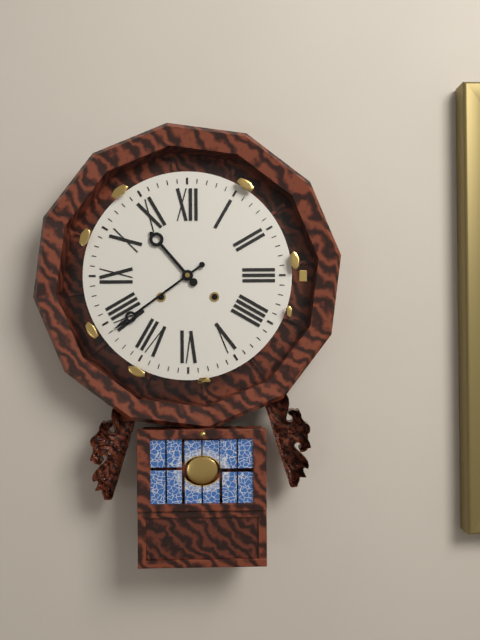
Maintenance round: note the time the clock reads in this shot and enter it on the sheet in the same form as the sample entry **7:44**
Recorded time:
**10:39**
